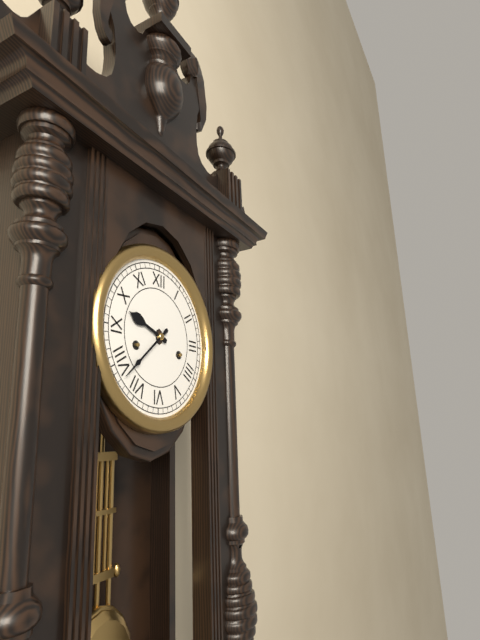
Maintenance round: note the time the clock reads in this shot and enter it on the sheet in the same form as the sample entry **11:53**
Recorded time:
**9:38**
